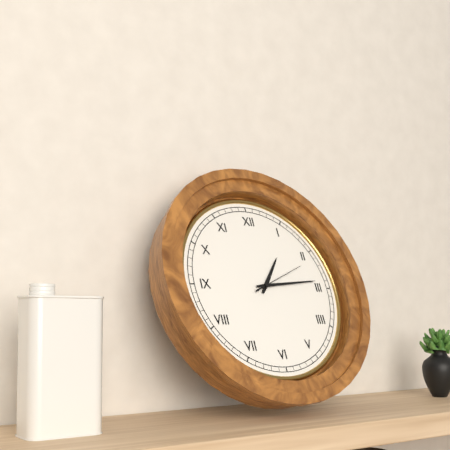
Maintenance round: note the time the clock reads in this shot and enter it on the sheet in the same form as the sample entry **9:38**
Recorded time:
**1:14**
